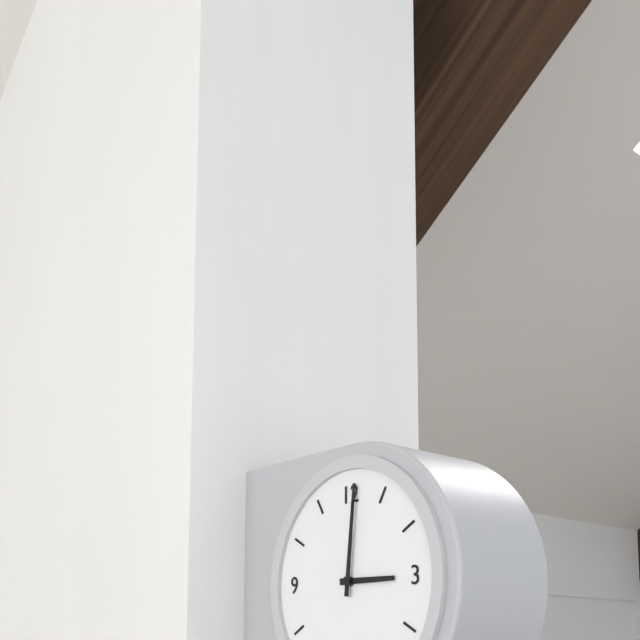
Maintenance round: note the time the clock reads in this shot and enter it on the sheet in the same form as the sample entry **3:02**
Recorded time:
**3:01**
